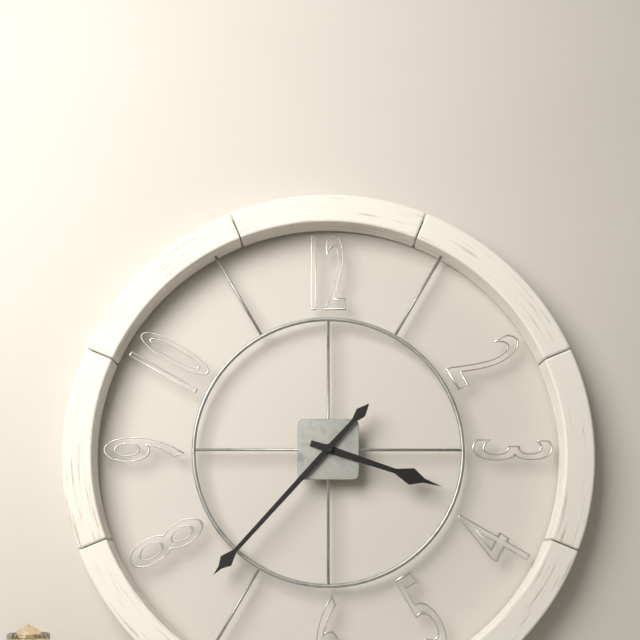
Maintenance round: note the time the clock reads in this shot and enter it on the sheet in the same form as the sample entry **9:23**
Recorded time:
**3:37**
